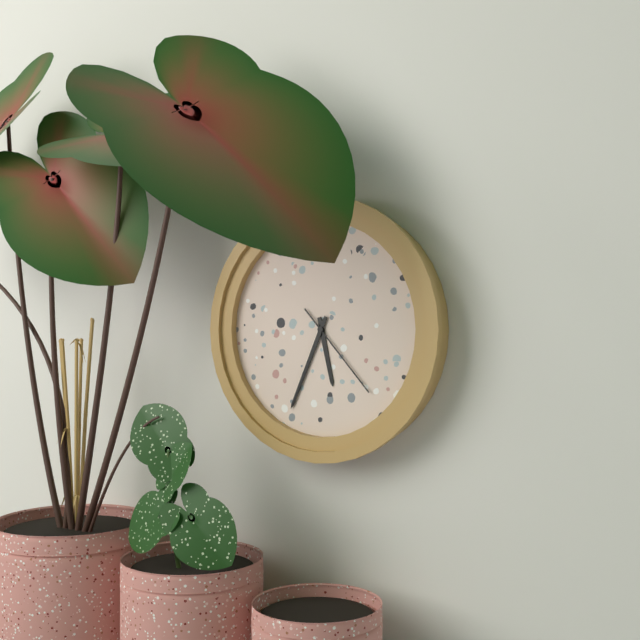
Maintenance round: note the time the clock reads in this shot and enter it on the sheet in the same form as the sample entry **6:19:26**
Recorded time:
**5:34:23**
